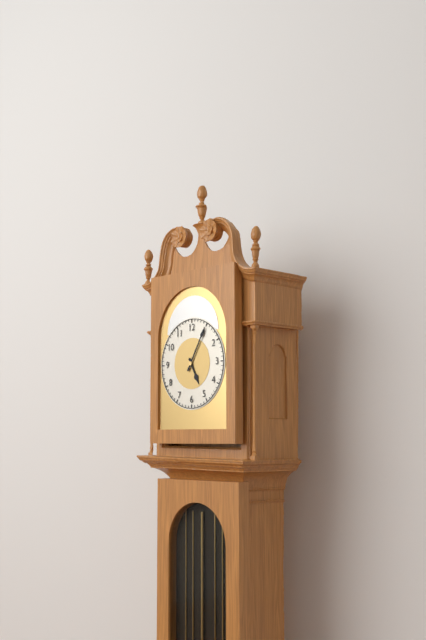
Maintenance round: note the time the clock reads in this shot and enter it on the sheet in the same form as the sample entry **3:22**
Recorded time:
**5:05**
